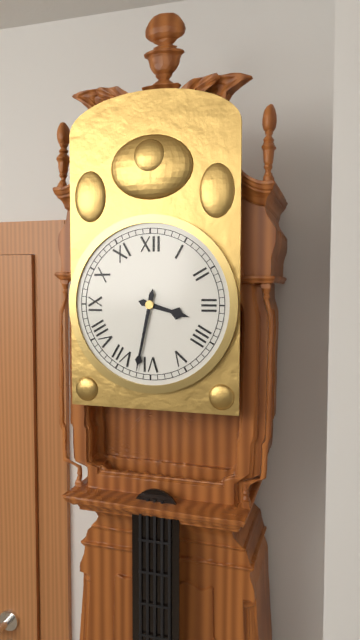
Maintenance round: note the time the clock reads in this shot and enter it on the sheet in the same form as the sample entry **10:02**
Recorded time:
**3:32**
